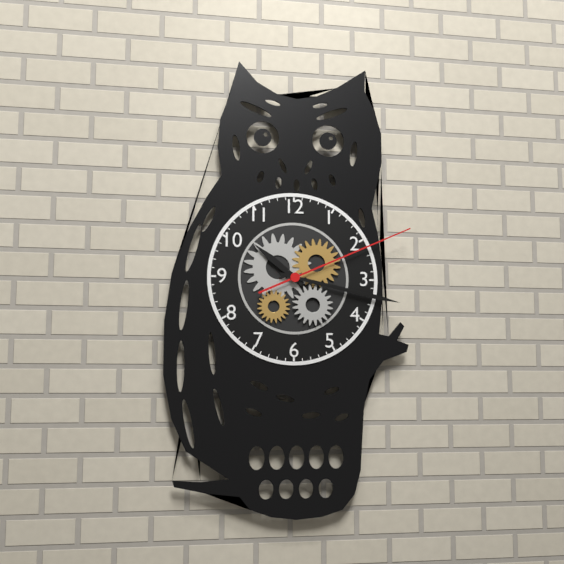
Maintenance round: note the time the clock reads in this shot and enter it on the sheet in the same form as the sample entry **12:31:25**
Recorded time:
**10:17:11**
